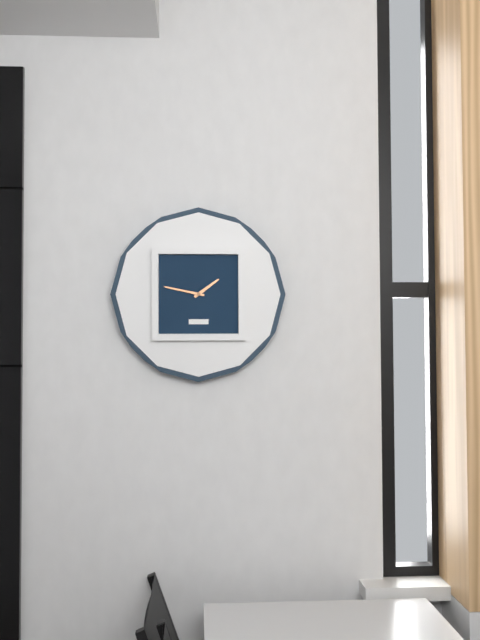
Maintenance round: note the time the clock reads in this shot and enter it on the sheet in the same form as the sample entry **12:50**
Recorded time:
**1:47**
